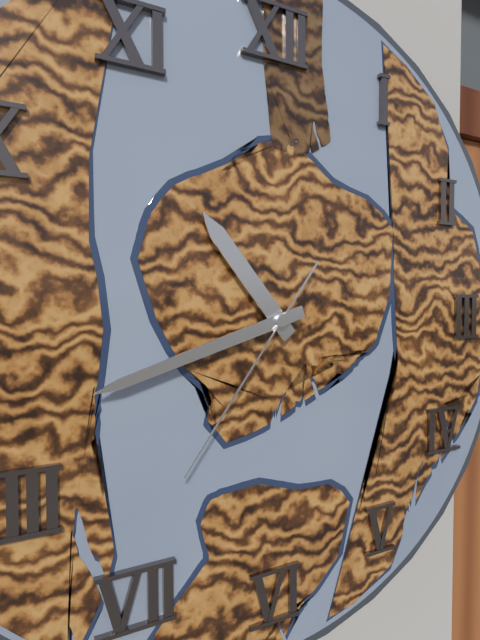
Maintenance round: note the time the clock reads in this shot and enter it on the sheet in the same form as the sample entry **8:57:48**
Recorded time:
**10:42:36**
